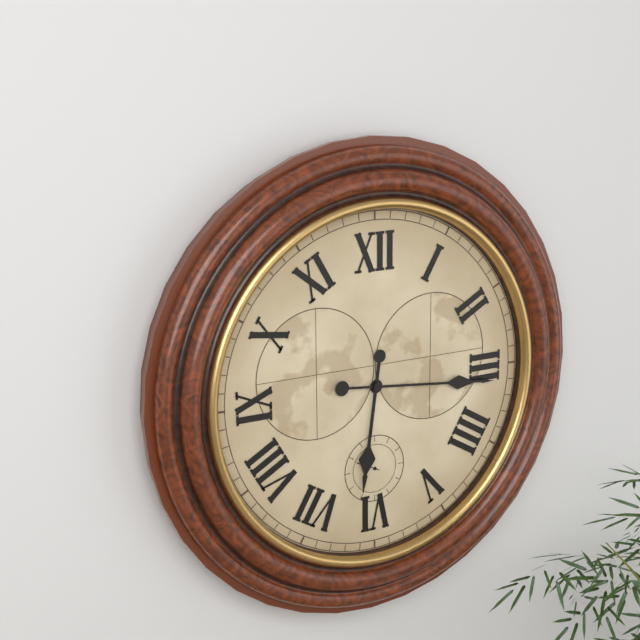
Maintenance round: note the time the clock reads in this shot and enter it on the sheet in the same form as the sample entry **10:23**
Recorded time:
**6:16**
